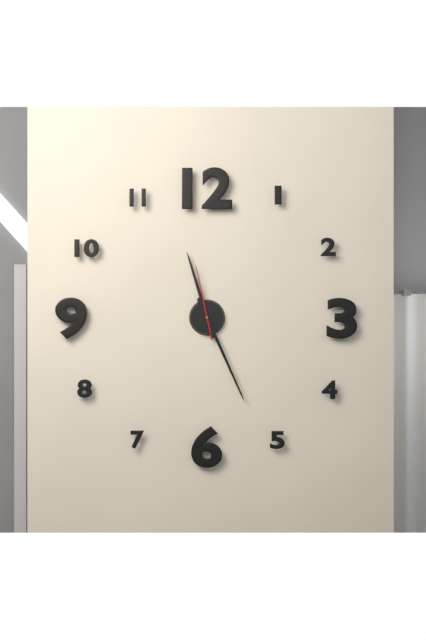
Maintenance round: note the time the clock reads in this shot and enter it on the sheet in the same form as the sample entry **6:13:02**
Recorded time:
**11:26:58**
